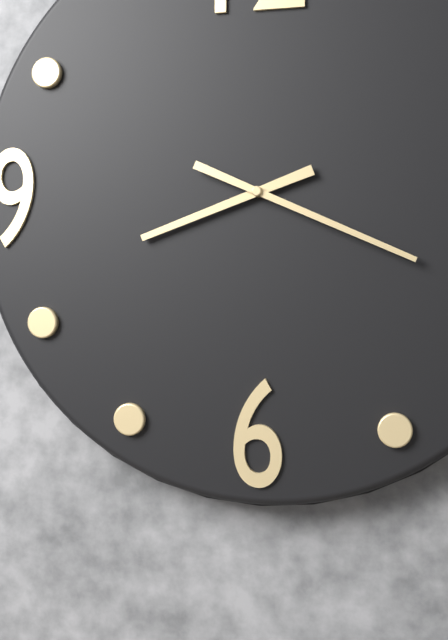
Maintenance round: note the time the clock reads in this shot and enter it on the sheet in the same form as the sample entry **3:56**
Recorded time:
**8:19**
